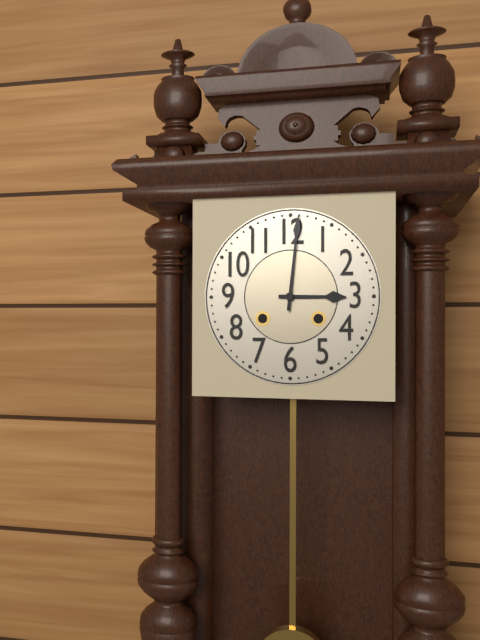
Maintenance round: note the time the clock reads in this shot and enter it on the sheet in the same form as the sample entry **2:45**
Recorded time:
**3:01**
